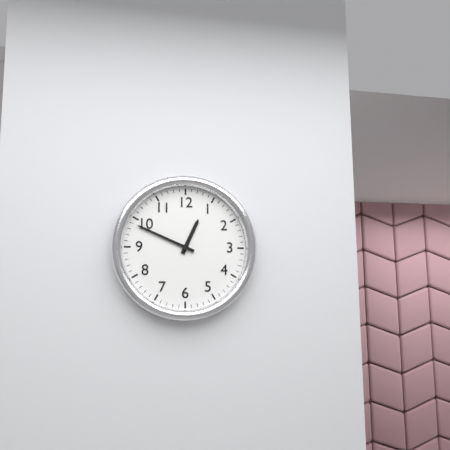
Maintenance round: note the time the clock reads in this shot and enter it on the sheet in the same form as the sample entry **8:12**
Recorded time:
**12:49**
